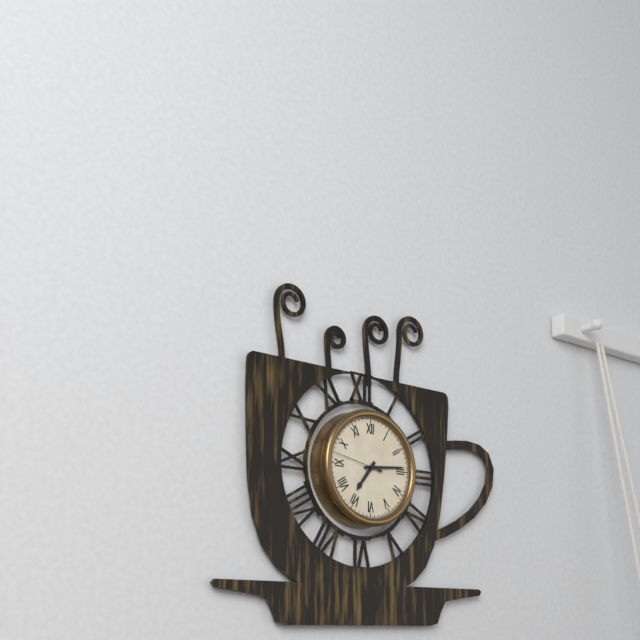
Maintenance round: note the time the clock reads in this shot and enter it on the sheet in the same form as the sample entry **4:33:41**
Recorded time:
**7:14:47**
